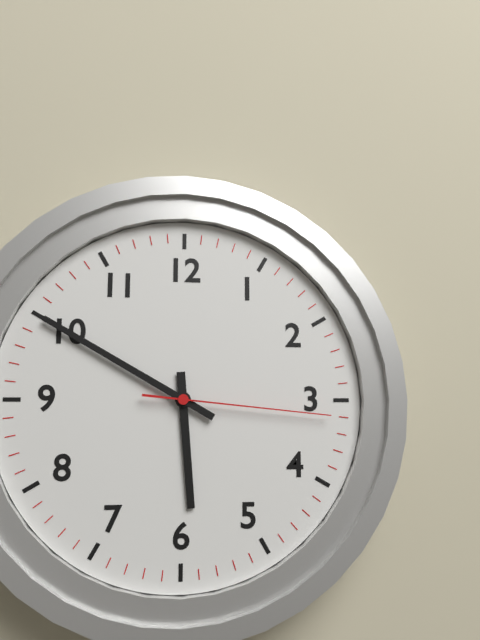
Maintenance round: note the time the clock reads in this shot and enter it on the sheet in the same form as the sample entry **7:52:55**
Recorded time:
**5:50:16**
